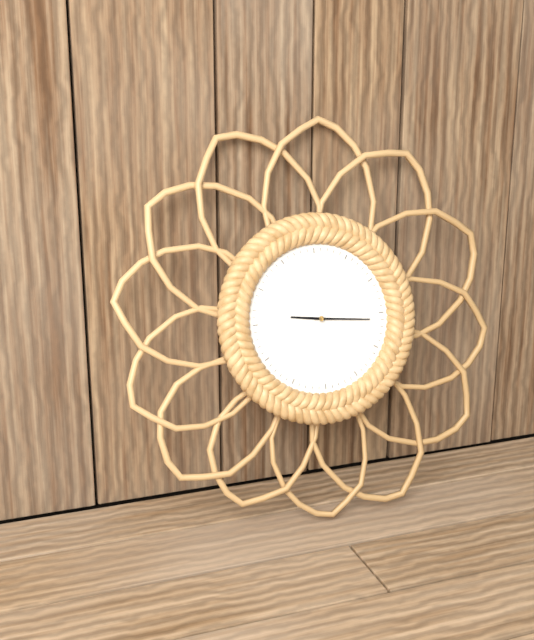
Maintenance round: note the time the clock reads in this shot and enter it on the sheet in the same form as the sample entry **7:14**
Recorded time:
**9:16**
